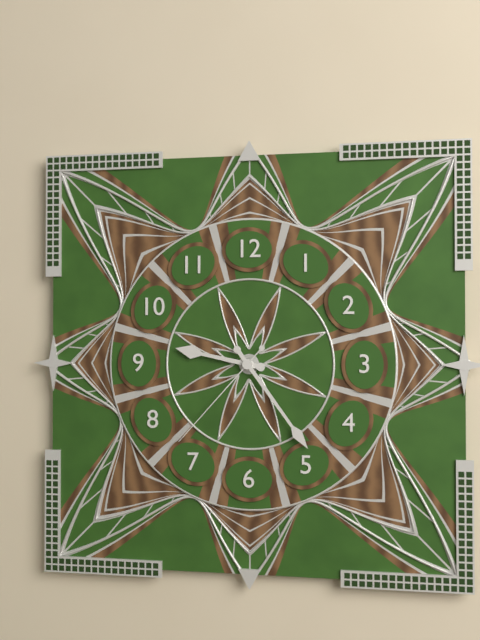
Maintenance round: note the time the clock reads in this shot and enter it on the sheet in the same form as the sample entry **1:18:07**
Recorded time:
**9:24:37**
